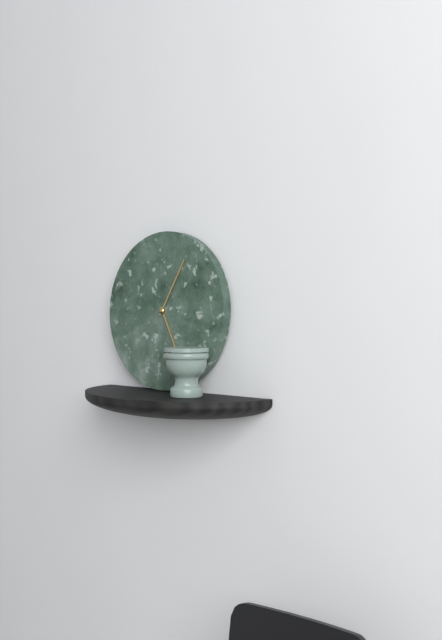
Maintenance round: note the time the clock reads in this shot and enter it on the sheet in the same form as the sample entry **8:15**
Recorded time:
**5:05**
